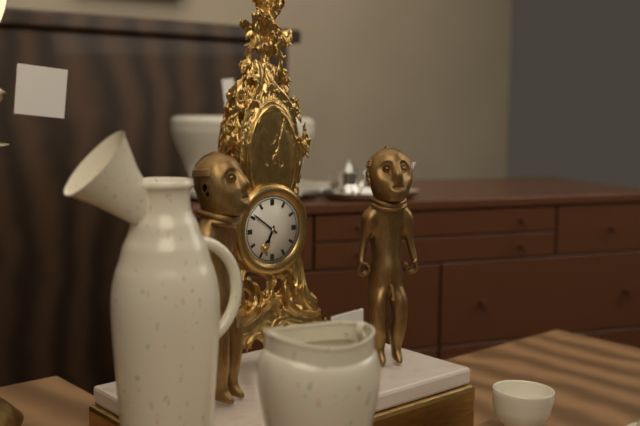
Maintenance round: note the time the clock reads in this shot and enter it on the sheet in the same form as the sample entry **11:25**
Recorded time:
**6:51**
